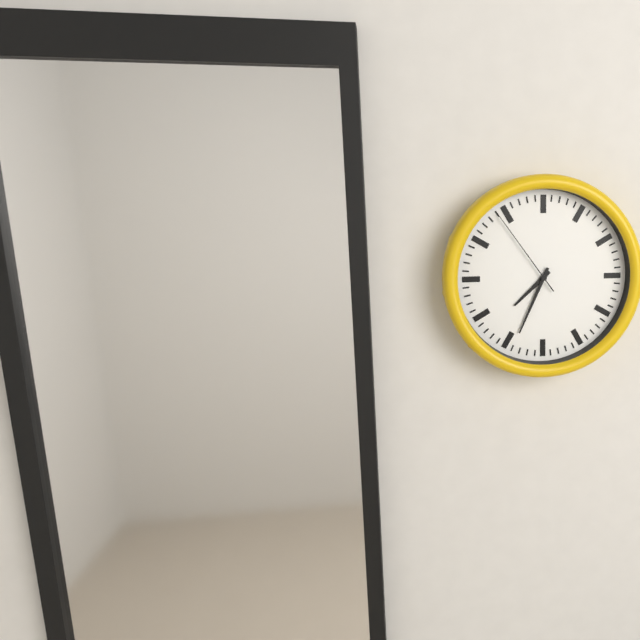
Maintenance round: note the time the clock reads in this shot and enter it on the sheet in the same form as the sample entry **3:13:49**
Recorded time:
**7:34:54**
